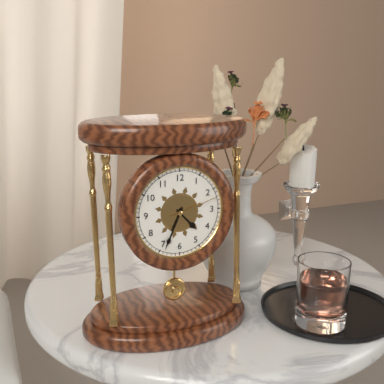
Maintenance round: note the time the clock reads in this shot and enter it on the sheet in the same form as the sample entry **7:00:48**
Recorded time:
**4:34:12**
